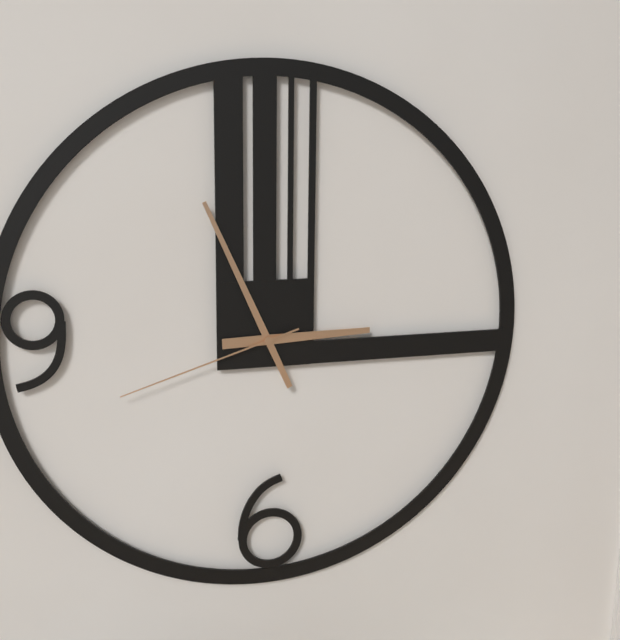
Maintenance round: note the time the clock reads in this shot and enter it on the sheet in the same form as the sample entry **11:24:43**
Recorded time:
**2:56:42**
